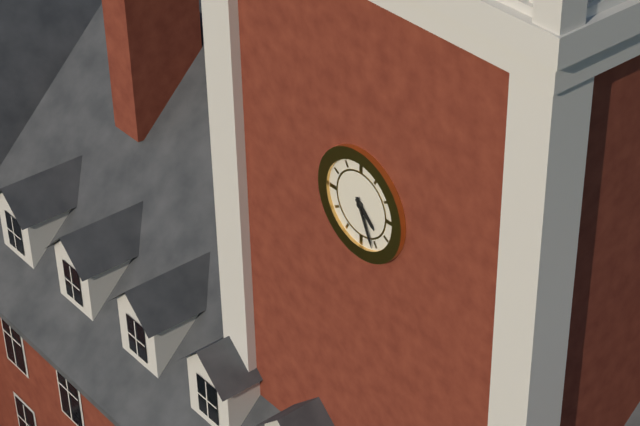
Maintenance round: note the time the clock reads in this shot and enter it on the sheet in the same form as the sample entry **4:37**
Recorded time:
**4:26**
